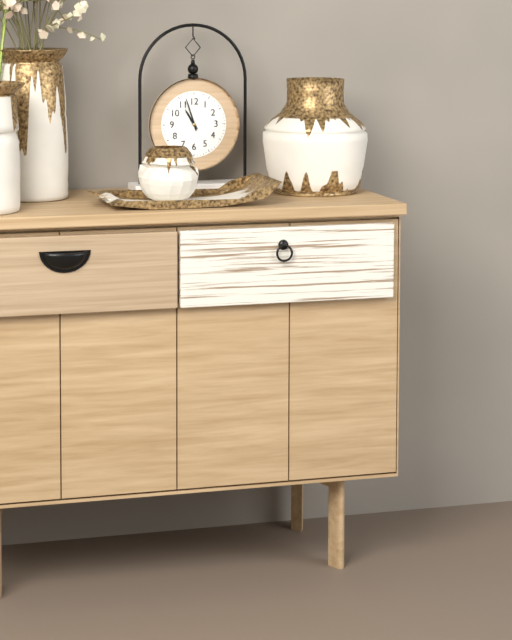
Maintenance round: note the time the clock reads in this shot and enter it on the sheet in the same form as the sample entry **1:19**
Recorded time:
**10:57**
